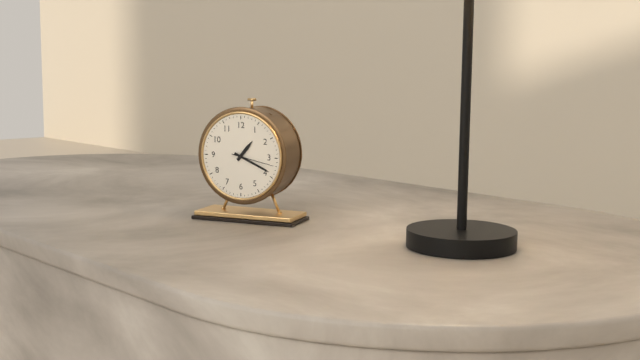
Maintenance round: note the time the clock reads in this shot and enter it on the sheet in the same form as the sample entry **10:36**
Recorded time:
**1:19**
